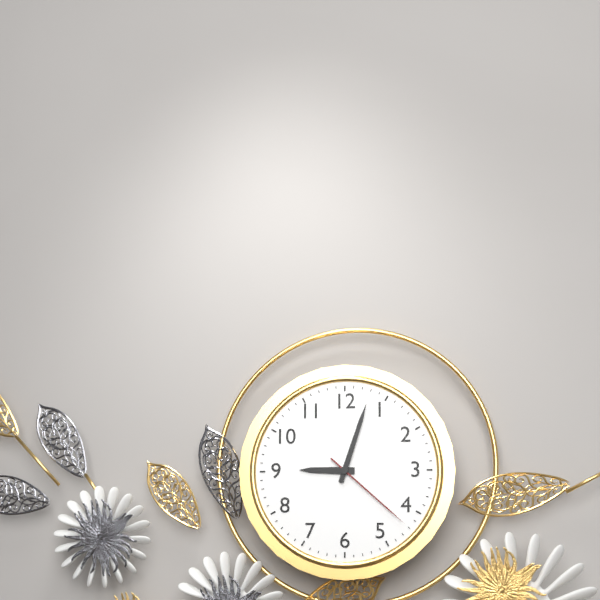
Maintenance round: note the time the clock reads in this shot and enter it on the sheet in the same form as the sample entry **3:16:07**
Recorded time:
**9:03:22**
